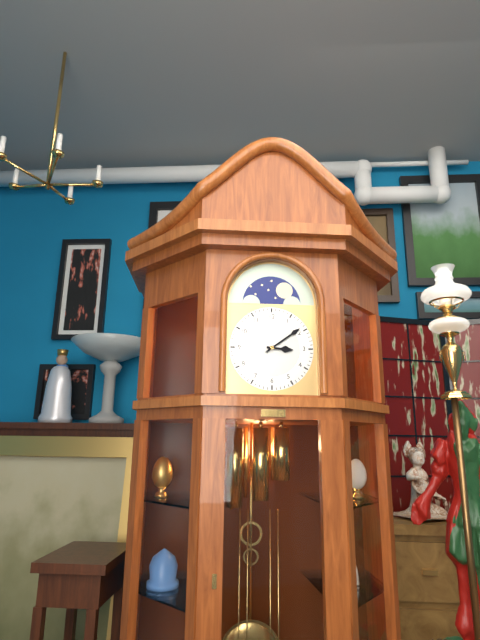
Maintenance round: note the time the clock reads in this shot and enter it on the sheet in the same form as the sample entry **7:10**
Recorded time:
**3:09**
